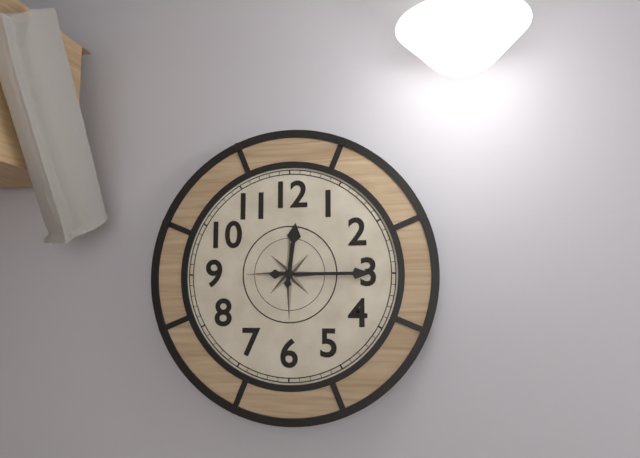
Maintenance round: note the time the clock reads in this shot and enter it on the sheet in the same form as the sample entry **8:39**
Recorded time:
**12:15**
